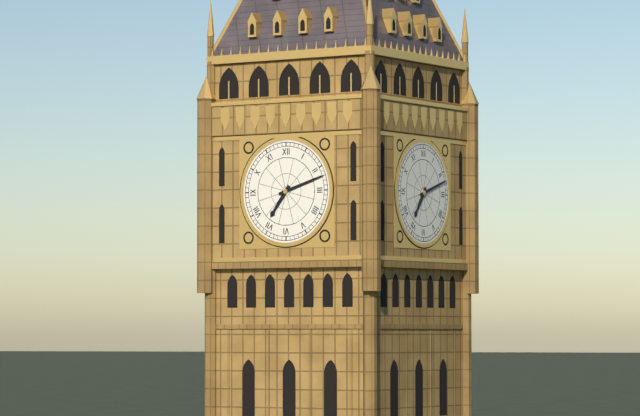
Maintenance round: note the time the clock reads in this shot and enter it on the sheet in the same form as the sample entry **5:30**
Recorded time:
**7:12**
